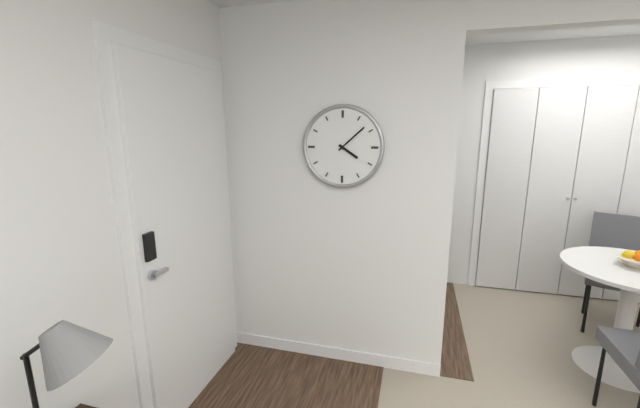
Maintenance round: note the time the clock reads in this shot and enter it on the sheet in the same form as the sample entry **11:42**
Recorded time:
**4:08**
